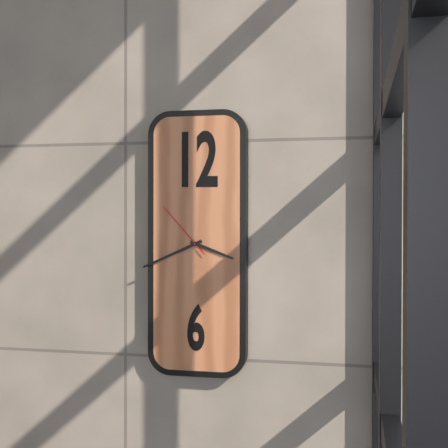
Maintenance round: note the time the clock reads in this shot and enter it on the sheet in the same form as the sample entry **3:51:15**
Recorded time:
**3:41:53**
